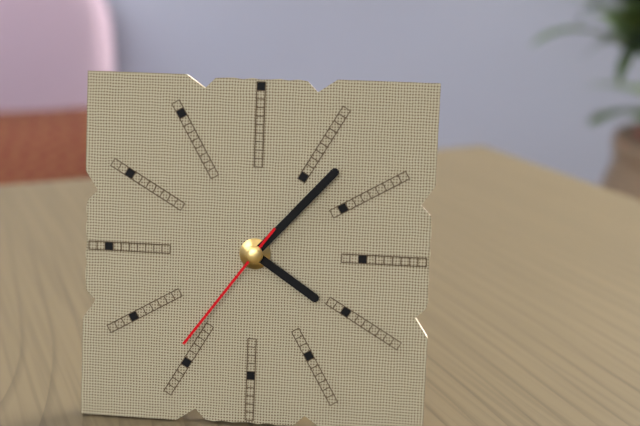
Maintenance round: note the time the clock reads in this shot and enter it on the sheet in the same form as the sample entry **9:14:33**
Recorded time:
**4:07:36**
